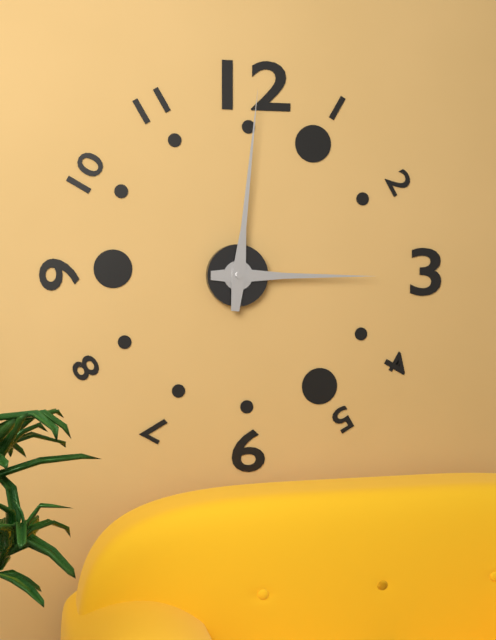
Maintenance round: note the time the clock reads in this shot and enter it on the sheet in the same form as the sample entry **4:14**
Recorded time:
**3:01**
